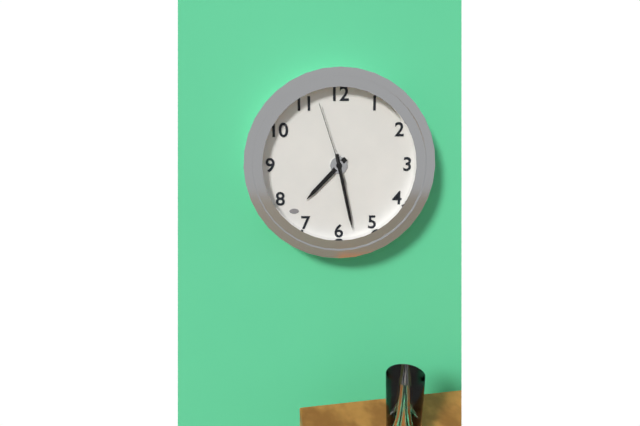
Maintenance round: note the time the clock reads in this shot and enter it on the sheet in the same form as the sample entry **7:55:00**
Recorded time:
**7:28:57**
